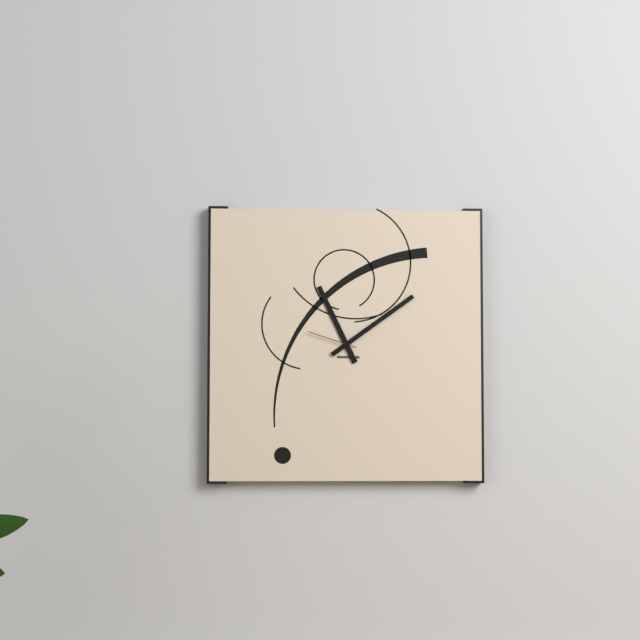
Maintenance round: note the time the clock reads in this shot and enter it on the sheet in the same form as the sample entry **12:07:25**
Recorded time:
**11:09:48**
